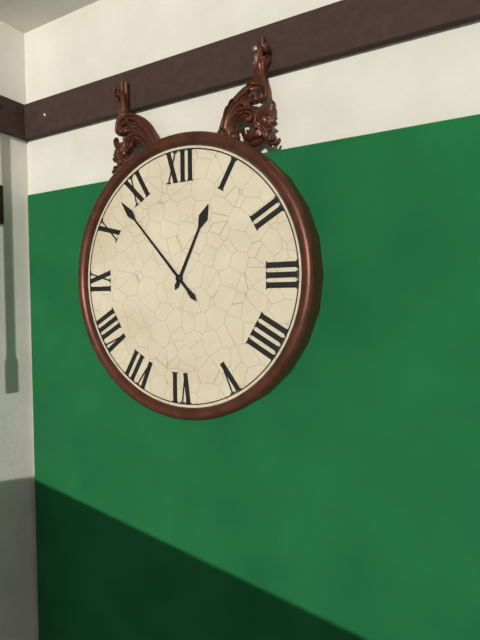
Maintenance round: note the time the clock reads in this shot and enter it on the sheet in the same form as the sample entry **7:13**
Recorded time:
**12:53**
